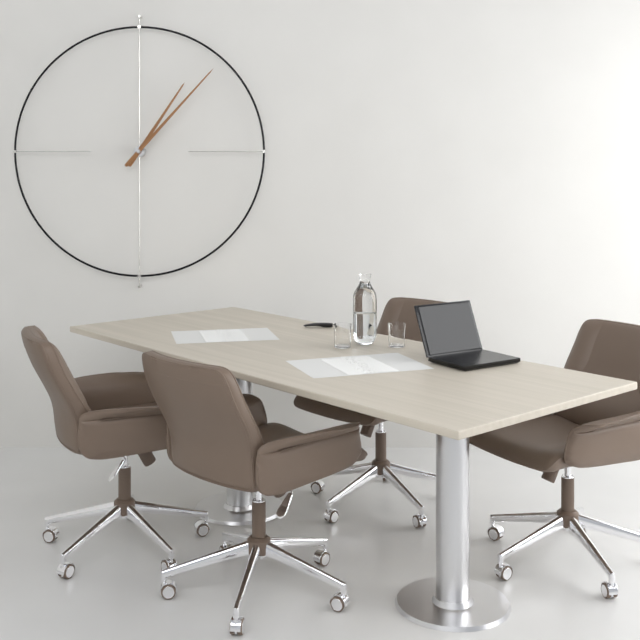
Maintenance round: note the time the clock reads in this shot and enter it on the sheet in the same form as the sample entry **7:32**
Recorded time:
**1:07**
